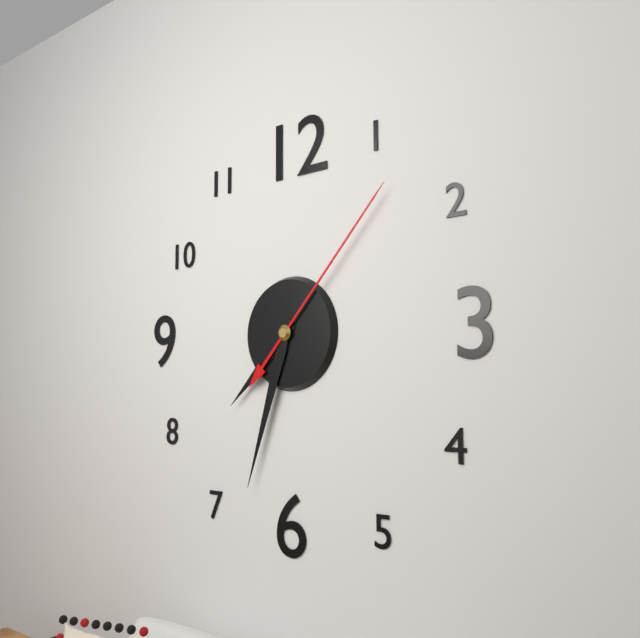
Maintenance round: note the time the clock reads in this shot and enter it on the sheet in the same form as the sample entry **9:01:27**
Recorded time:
**7:33:07**
